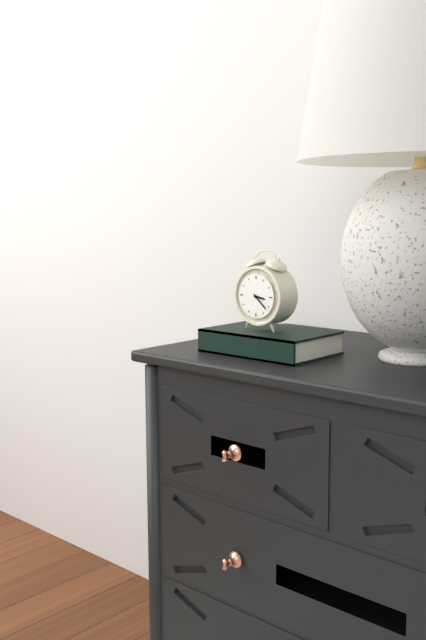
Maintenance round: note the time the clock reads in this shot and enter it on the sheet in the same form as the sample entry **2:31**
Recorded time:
**3:22**
